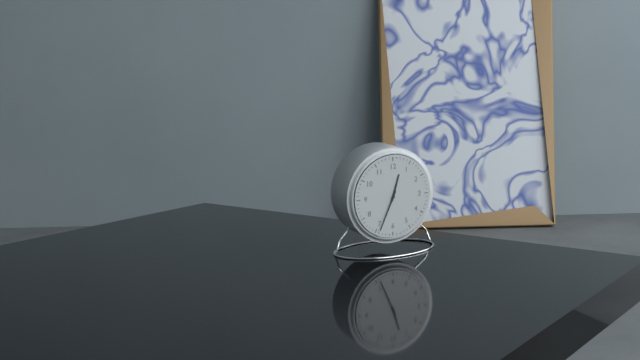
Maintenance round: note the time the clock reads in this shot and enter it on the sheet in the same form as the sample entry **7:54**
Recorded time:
**12:34**
